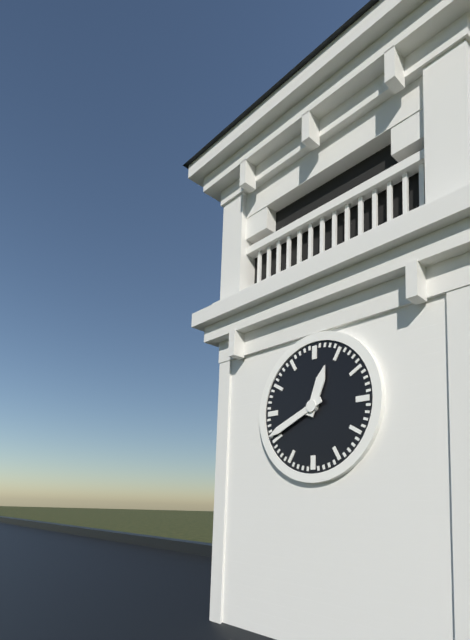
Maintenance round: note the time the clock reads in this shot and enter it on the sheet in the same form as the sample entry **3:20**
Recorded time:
**12:41**
